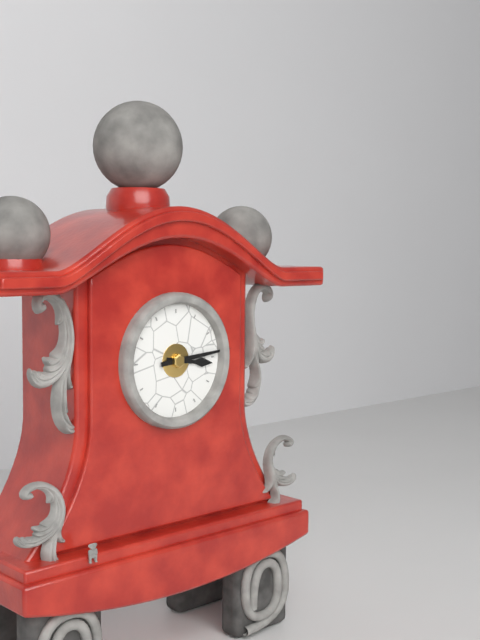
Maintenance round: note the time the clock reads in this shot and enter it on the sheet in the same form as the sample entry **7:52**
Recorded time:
**3:14**
